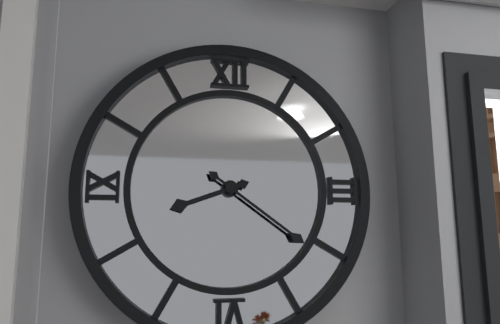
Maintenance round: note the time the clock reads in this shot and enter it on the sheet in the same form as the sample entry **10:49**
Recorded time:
**8:21**
